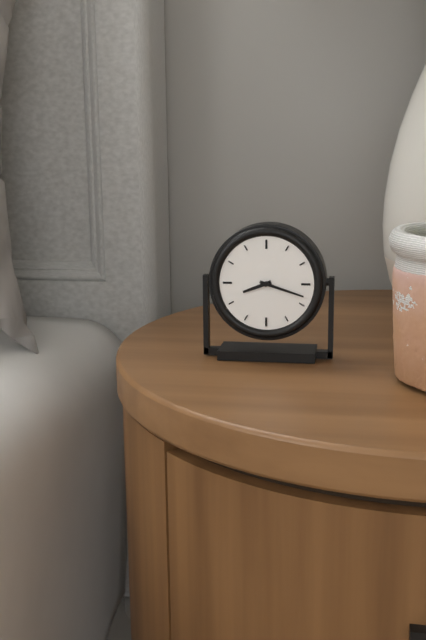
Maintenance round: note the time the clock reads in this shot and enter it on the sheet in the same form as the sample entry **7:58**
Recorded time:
**8:18**
